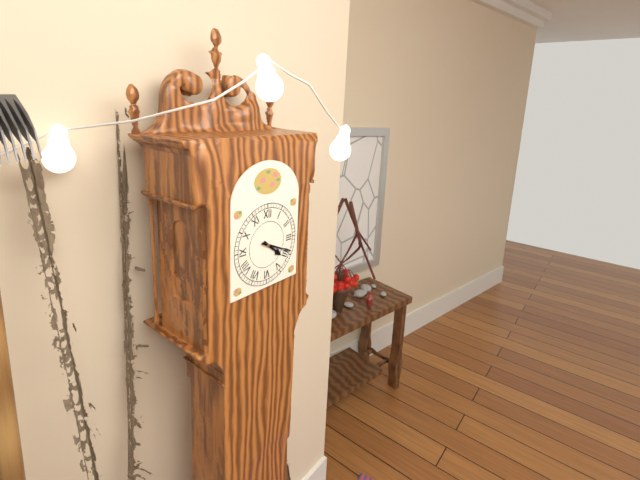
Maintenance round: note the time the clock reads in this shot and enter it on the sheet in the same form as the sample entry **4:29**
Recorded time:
**4:19**
